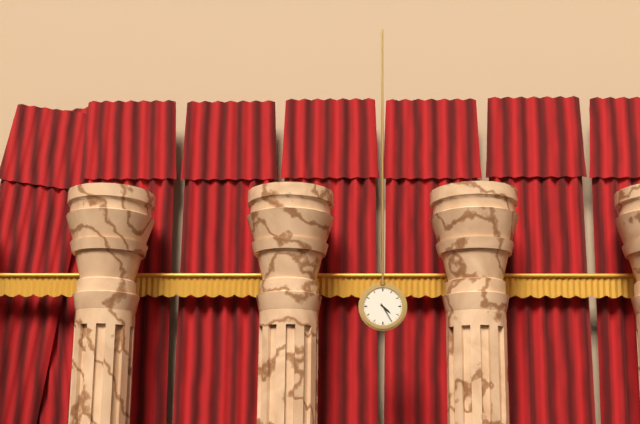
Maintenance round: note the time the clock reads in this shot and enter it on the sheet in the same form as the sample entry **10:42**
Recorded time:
**4:25**
